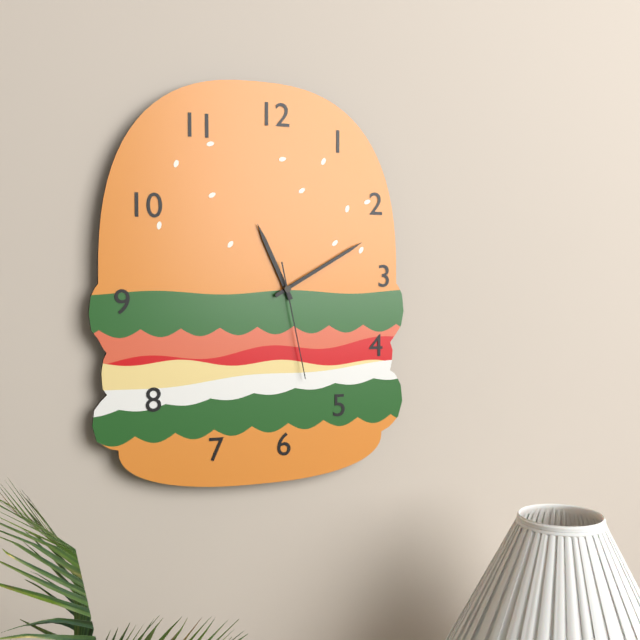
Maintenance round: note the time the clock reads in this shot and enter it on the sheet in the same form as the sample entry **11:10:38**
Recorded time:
**11:10:28**
